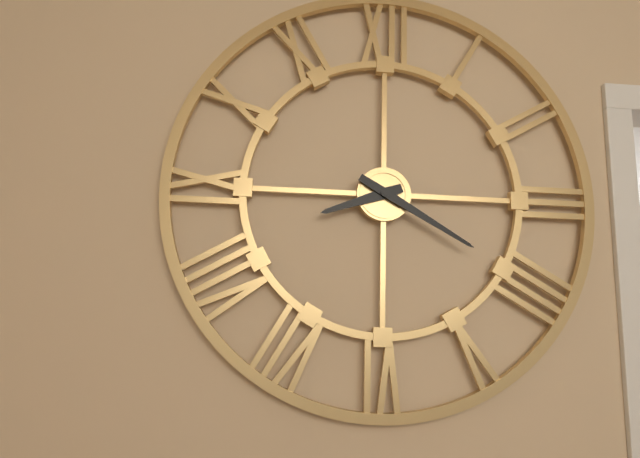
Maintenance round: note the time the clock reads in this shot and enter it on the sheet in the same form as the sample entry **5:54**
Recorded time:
**8:20**
